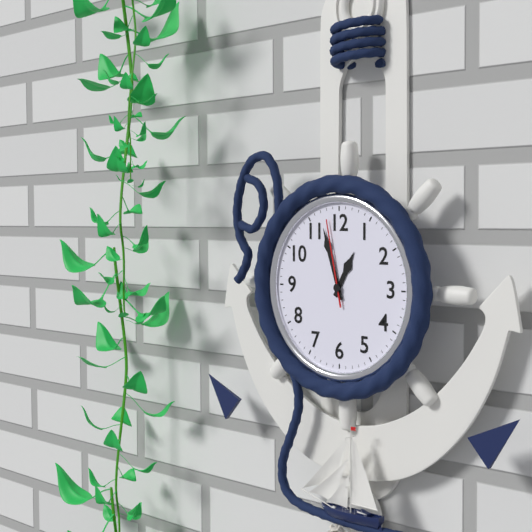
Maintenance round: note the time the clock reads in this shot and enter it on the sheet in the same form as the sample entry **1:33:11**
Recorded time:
**12:57:58**
